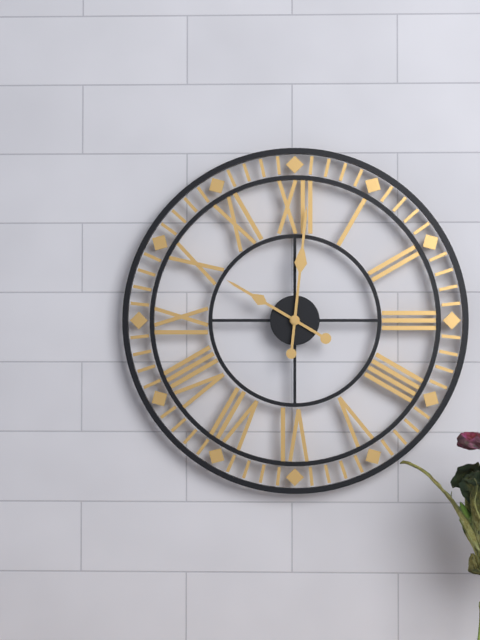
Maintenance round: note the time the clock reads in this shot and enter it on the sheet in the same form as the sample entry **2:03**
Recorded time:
**10:01**
